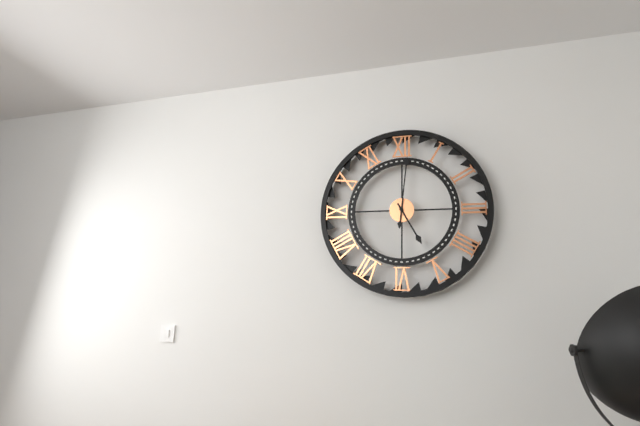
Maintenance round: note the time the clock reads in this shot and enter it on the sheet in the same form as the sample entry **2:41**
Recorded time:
**5:01**
